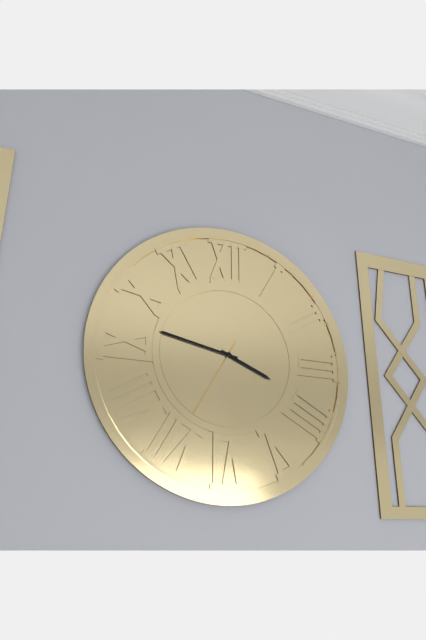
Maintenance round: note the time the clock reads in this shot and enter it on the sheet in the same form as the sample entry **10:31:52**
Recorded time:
**3:47:35**
